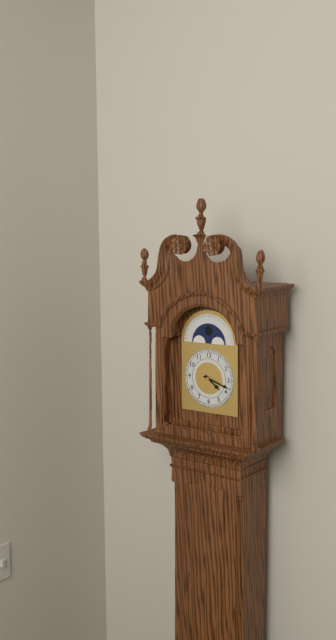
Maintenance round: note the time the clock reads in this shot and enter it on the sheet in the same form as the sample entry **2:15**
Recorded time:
**4:18**
